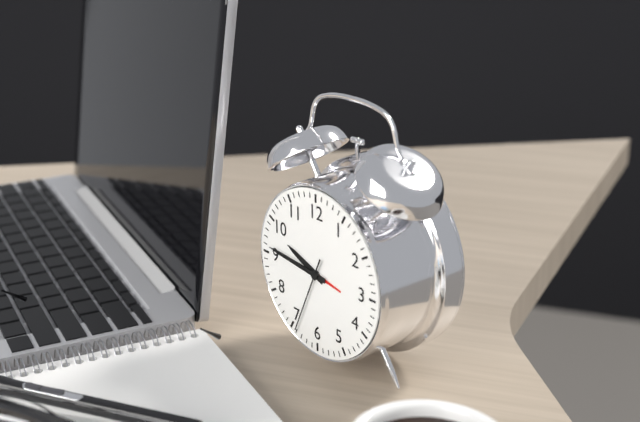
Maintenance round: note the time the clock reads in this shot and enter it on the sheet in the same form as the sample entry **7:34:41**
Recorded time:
**9:46:34**
